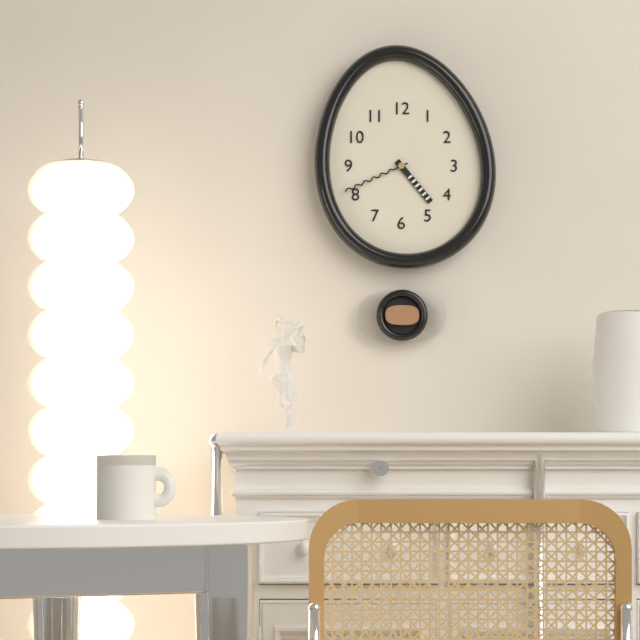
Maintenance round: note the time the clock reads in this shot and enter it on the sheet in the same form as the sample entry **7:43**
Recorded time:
**4:41**
